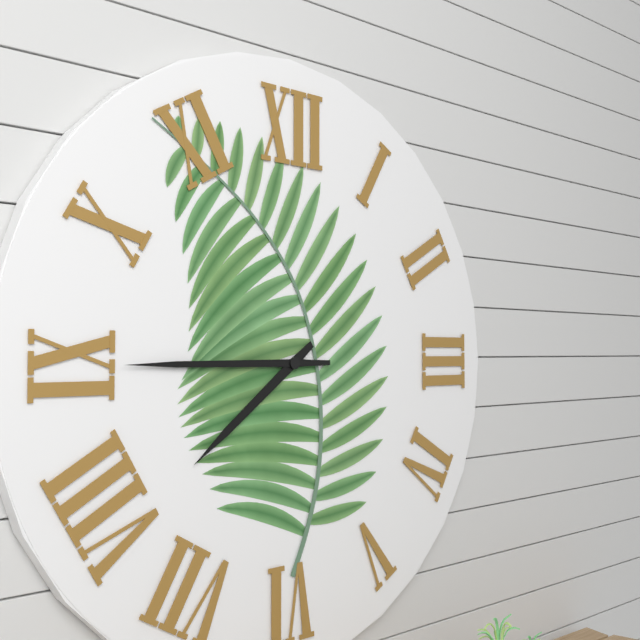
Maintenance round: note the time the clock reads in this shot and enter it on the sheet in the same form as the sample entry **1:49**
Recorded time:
**7:45**
